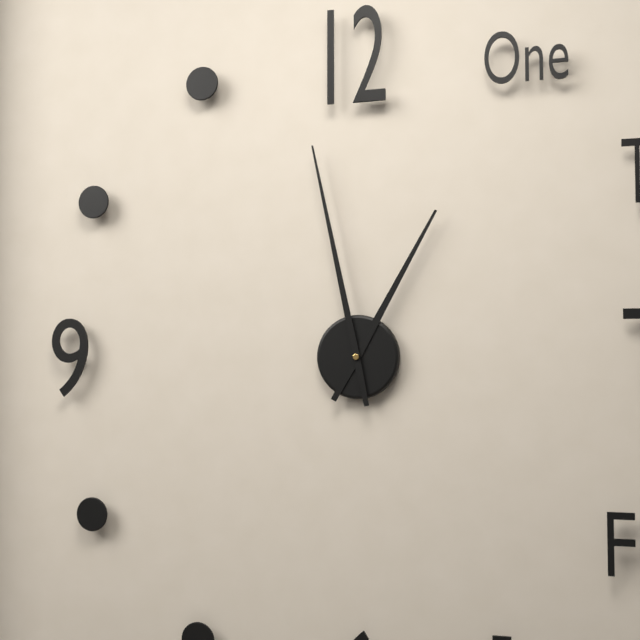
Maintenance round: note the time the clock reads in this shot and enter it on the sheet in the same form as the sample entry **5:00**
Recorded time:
**12:58**
